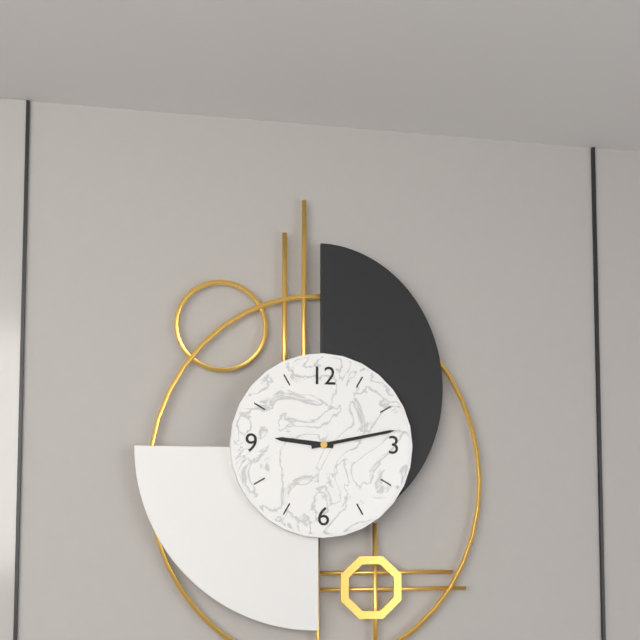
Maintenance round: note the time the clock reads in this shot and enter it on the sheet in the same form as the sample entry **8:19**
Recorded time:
**9:13**
